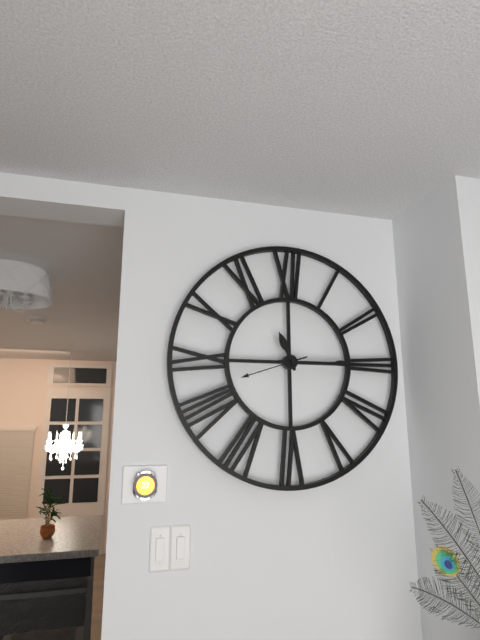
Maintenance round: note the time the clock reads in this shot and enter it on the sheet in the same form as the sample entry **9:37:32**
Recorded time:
**11:15:42**
